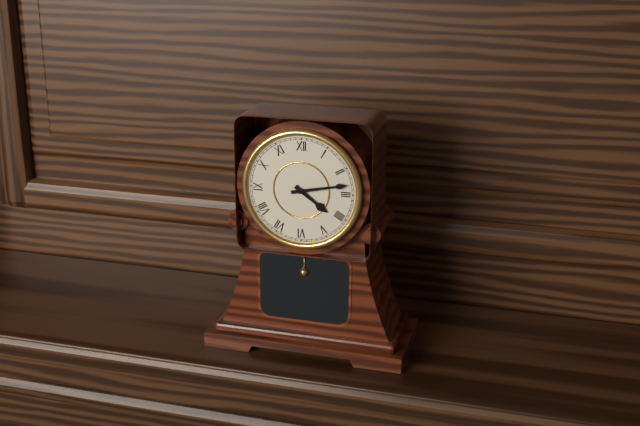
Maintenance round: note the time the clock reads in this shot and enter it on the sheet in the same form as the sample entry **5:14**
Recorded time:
**4:13**
